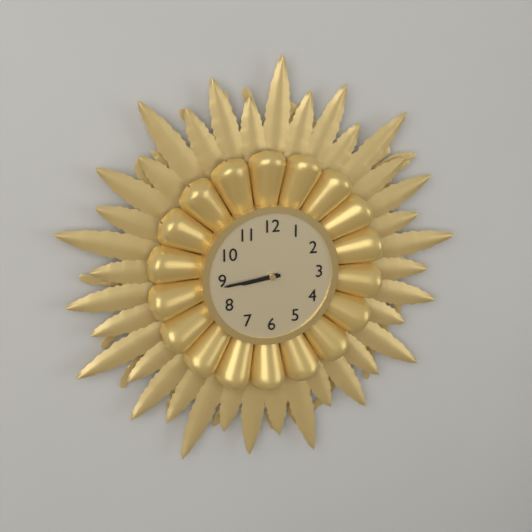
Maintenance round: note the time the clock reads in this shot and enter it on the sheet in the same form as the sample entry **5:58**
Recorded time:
**8:44**
